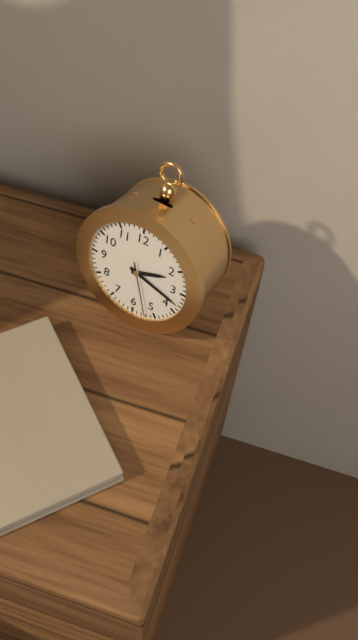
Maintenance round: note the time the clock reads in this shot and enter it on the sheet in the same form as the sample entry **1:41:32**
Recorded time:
**2:18:27**
